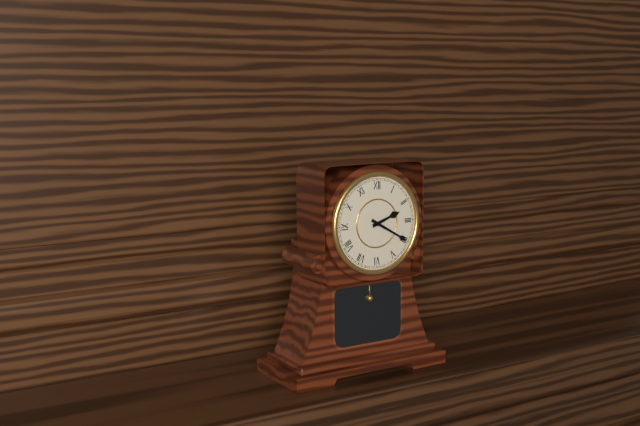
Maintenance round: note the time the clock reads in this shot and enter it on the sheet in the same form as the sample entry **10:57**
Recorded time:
**2:20**
